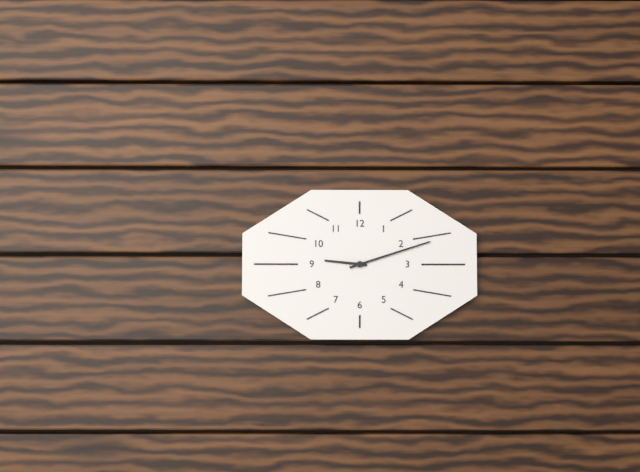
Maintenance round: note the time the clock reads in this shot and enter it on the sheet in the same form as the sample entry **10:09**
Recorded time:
**9:12**
